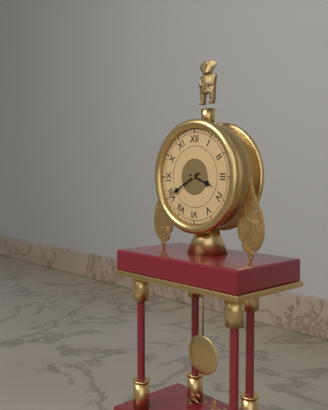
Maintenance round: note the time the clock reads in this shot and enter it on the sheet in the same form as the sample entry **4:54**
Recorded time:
**3:40**
